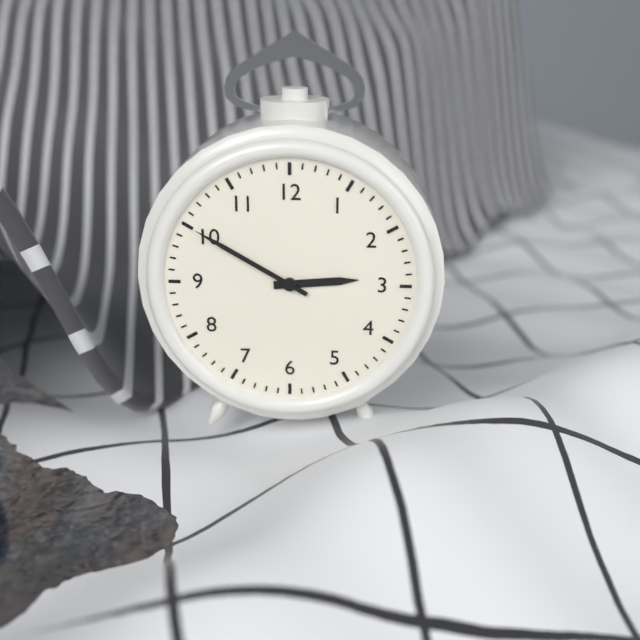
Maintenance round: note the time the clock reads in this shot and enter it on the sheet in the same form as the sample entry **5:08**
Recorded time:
**2:50**
